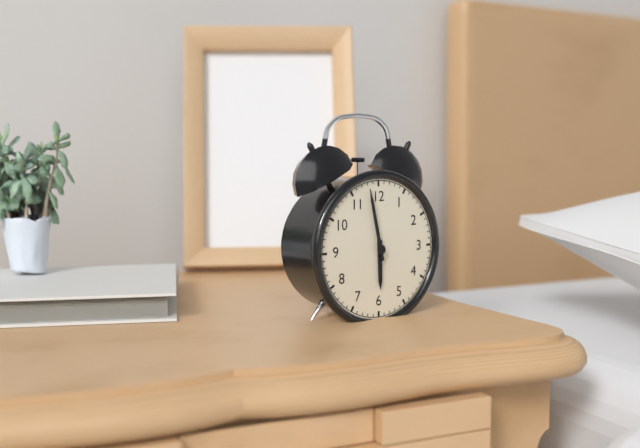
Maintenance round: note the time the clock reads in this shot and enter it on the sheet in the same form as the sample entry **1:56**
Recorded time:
**5:58**
